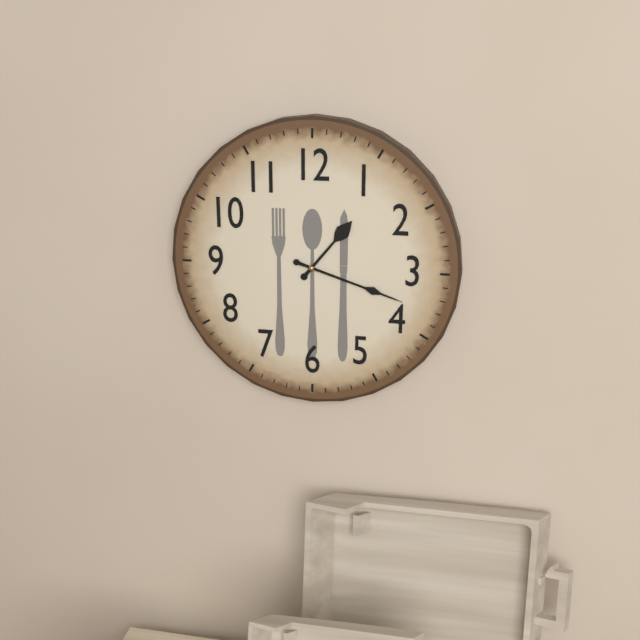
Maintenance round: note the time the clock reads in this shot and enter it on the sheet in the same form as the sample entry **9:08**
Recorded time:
**1:18**
